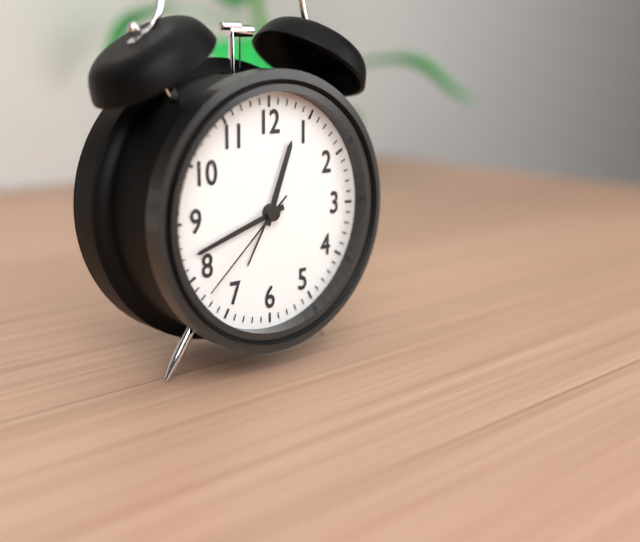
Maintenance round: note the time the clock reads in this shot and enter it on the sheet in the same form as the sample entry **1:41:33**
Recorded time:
**12:42:38**
